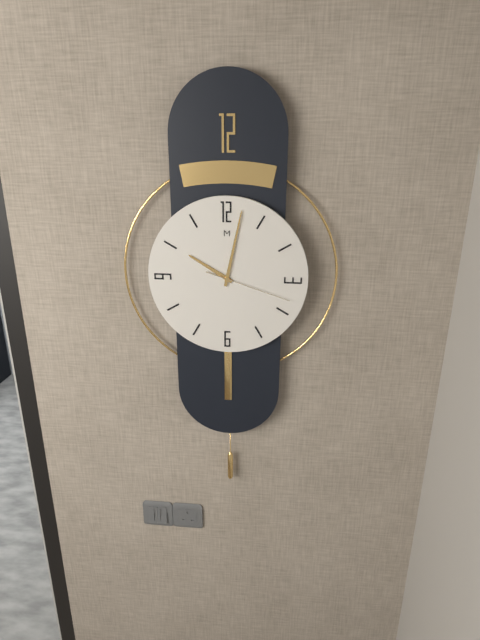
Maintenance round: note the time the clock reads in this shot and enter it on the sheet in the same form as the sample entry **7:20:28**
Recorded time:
**10:02:18**
